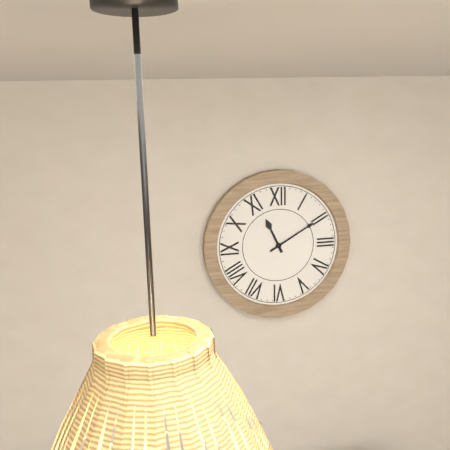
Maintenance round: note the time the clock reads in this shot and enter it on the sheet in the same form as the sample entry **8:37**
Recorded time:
**11:10**
